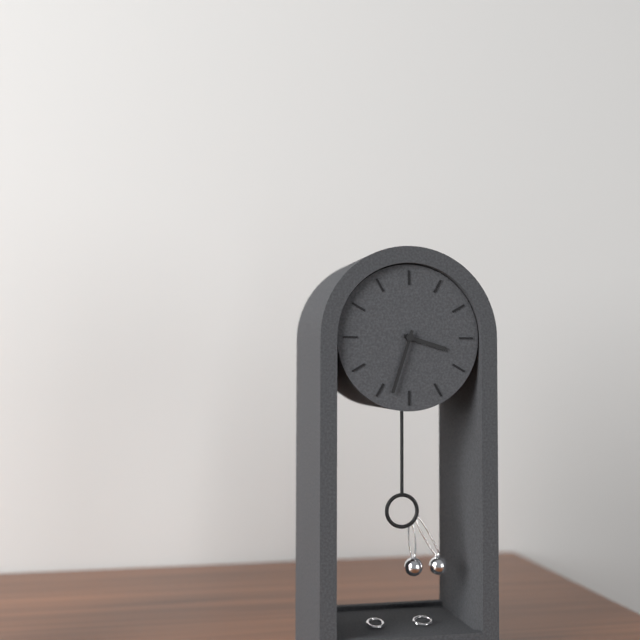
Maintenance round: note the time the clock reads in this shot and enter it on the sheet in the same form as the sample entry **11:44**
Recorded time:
**3:33**
